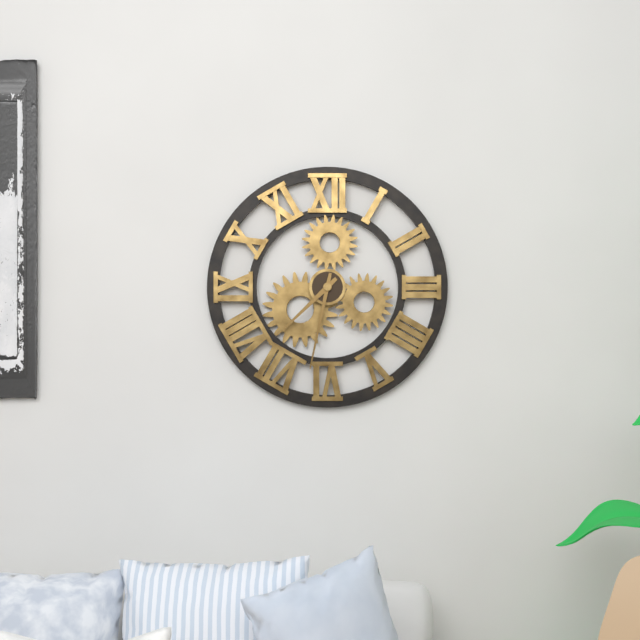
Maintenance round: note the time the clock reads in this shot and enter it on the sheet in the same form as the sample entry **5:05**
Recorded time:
**7:32**
